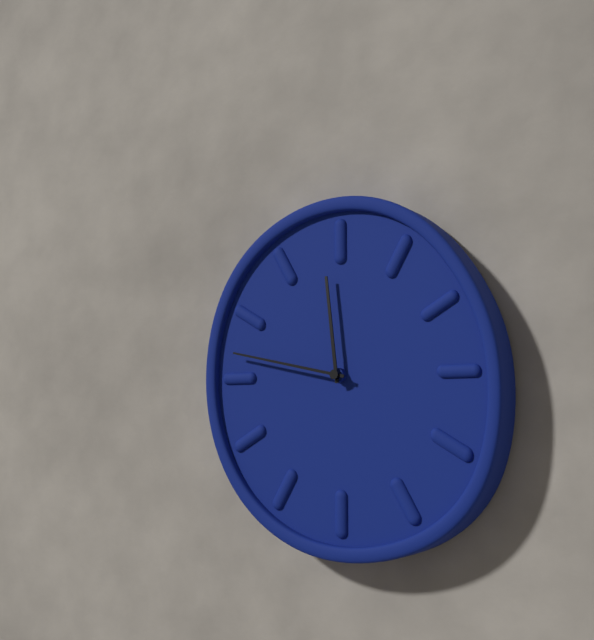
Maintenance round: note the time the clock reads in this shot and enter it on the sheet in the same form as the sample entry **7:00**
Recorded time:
**11:47**
